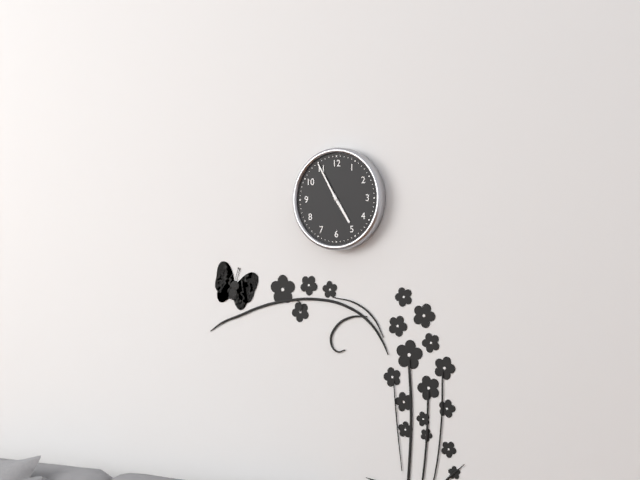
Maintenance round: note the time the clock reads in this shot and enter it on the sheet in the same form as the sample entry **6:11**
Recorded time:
**4:55**
